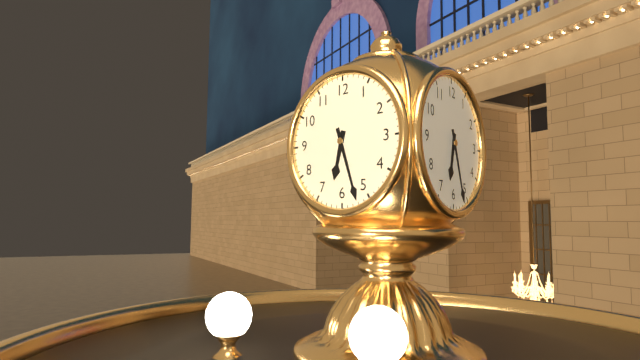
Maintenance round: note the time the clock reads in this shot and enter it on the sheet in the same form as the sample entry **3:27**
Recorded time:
**6:27**
